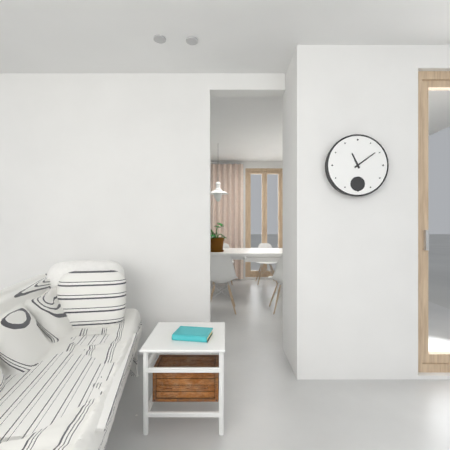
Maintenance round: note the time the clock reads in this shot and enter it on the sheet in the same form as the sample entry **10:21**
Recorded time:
**11:09**
